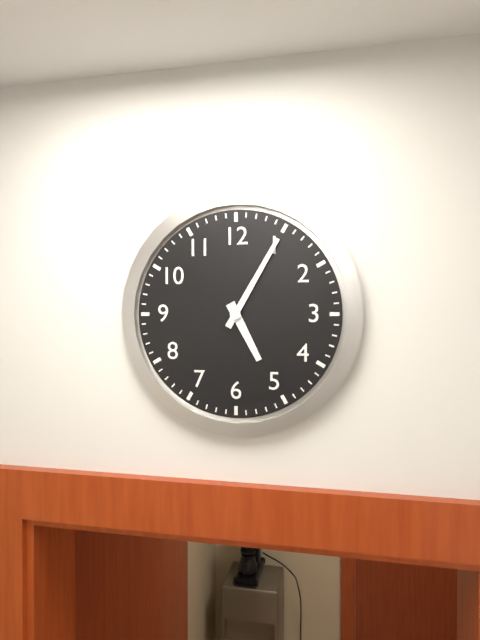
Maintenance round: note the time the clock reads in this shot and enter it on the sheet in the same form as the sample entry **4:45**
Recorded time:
**5:05**
